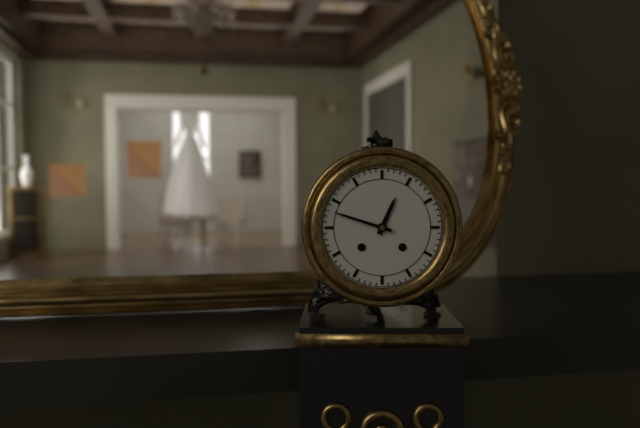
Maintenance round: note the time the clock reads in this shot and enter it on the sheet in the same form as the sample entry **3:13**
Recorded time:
**12:48**
